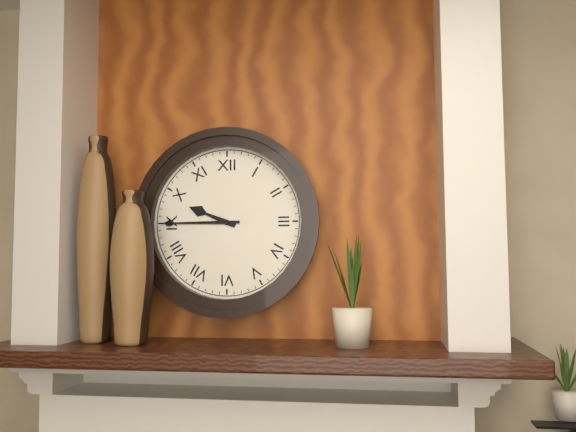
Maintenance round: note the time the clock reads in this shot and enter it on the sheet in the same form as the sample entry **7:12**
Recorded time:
**9:45**
